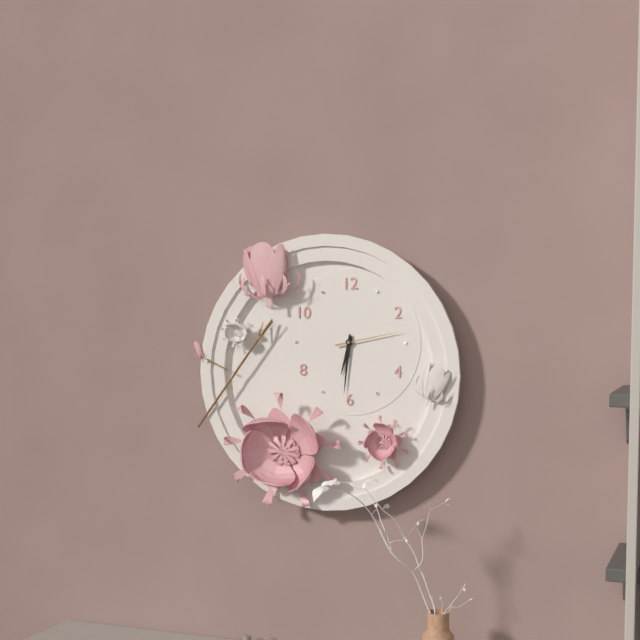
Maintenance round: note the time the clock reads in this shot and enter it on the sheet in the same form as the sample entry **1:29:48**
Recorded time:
**6:31:13**
